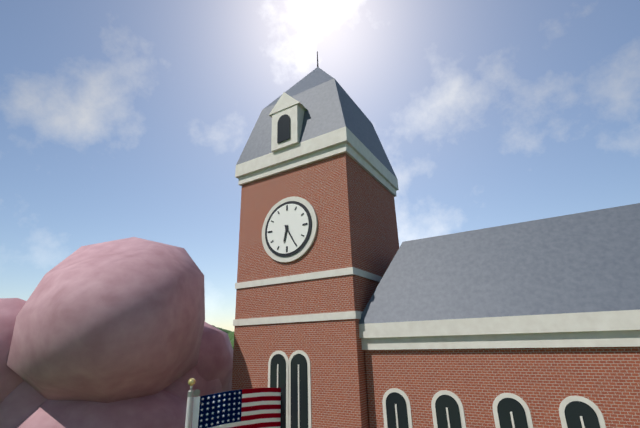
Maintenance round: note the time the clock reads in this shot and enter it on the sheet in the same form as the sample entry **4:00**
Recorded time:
**6:25**
